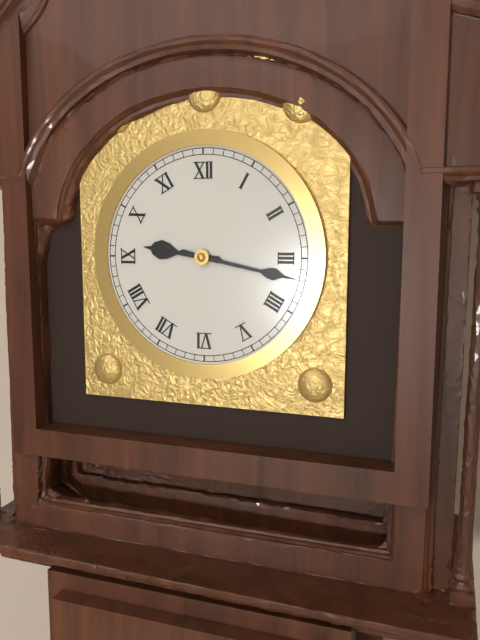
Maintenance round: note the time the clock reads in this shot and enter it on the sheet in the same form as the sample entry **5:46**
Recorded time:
**9:17**
